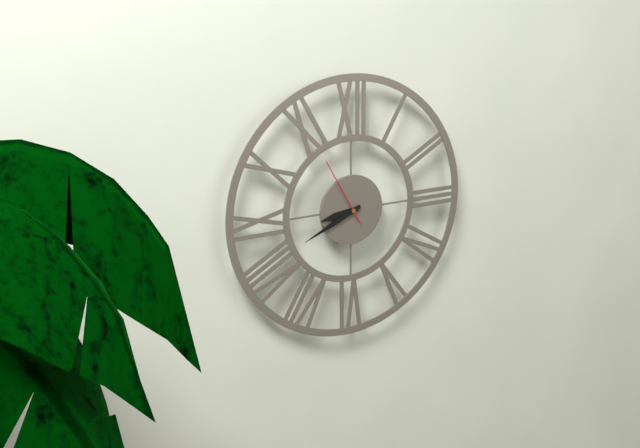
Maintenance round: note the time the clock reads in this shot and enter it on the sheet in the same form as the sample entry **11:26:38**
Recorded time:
**8:41:55**
